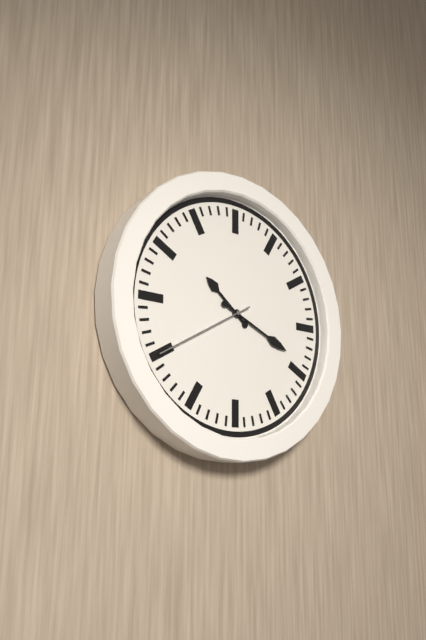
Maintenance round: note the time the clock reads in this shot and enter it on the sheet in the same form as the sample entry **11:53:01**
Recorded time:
**10:19:40**
